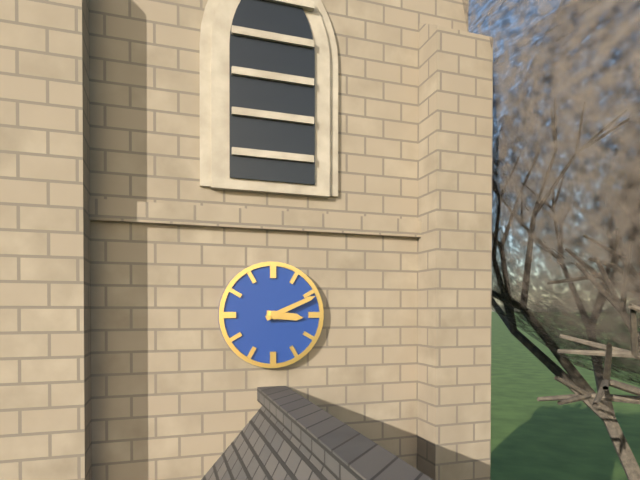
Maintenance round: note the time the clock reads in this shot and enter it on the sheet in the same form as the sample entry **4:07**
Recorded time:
**3:11**
